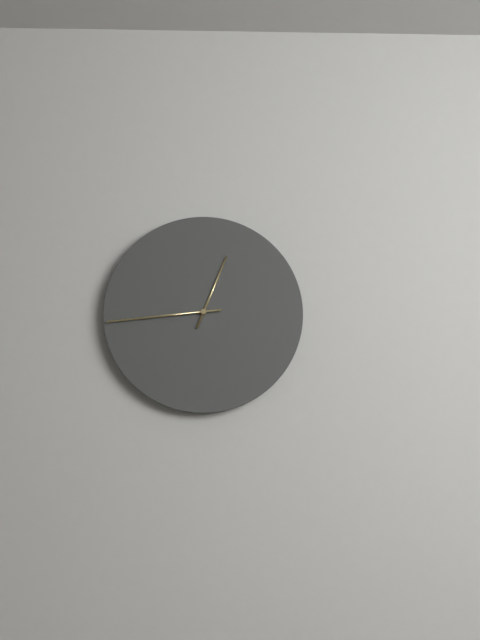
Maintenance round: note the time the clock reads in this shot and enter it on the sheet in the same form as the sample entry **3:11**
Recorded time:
**12:44**
